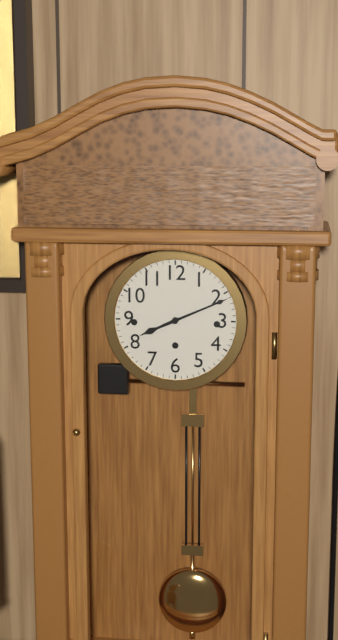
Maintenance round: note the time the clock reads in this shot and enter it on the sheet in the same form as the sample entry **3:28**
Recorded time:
**8:11**
